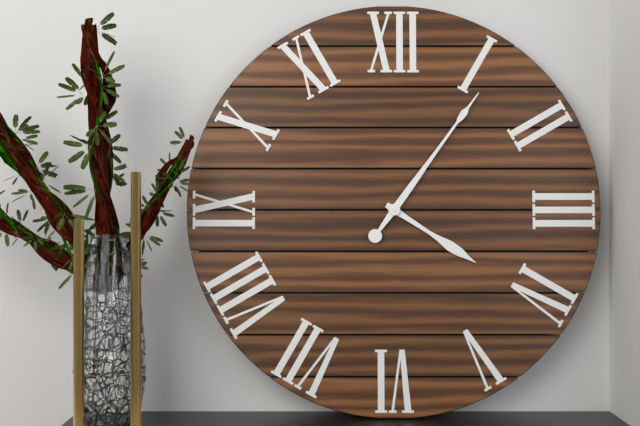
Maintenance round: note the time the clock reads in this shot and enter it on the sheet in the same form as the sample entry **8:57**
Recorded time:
**4:06**
